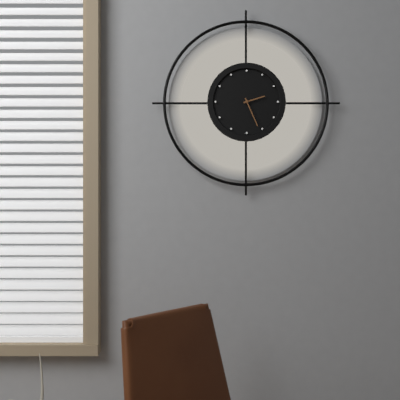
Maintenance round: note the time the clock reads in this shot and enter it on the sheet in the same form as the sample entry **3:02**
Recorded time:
**2:26**
